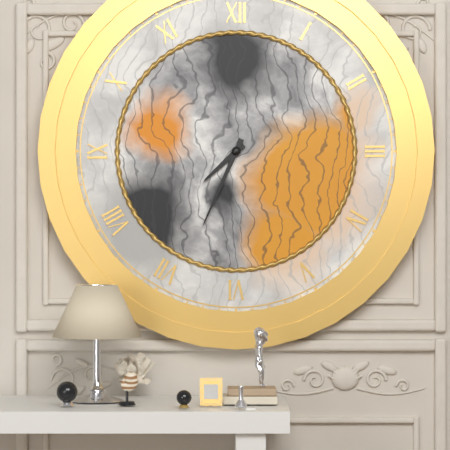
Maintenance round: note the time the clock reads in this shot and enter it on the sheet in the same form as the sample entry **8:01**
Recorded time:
**7:34**
